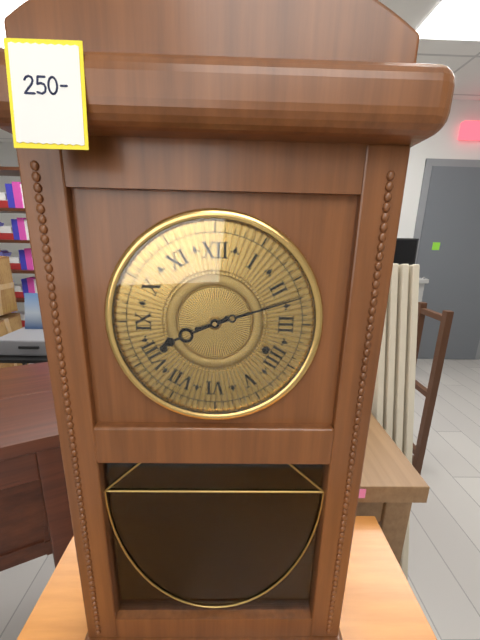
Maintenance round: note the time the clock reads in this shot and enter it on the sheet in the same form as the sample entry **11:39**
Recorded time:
**8:12**
